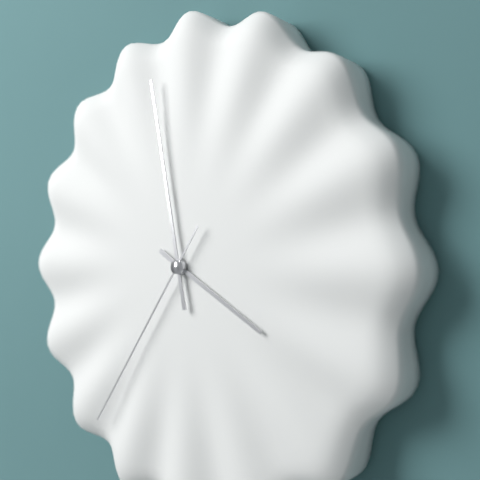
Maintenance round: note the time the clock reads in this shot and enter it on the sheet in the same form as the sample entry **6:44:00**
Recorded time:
**3:58:36**
